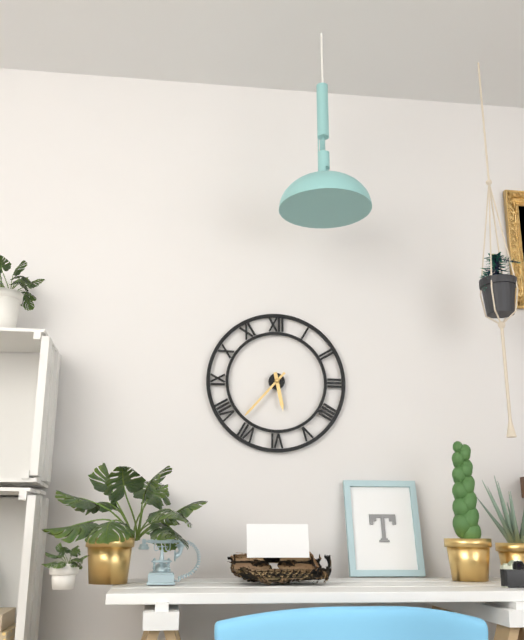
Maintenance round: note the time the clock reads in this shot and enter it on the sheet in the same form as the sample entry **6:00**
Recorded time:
**5:37**
